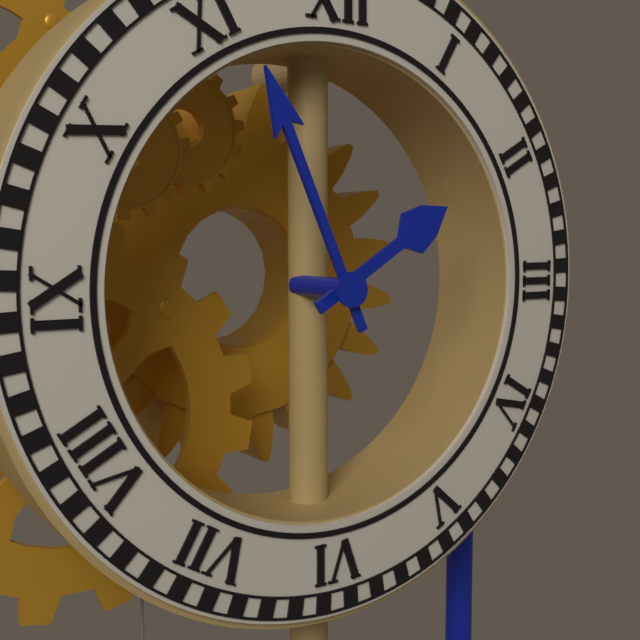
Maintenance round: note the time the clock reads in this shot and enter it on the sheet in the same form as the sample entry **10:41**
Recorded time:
**1:56**
